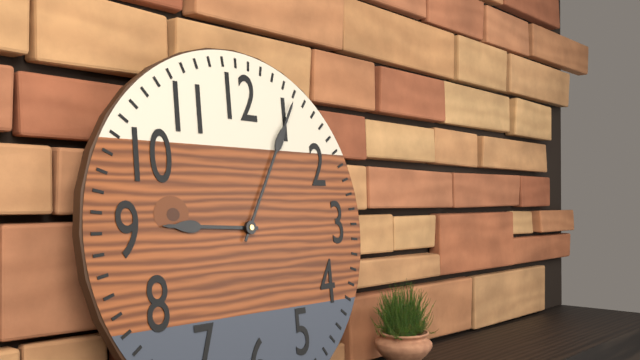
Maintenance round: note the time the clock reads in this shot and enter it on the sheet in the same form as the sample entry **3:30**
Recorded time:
**9:05**
